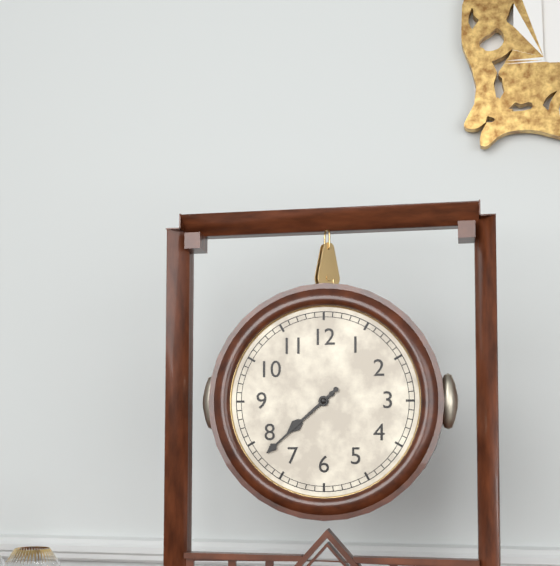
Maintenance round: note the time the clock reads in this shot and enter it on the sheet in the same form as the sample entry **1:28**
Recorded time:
**7:38**
